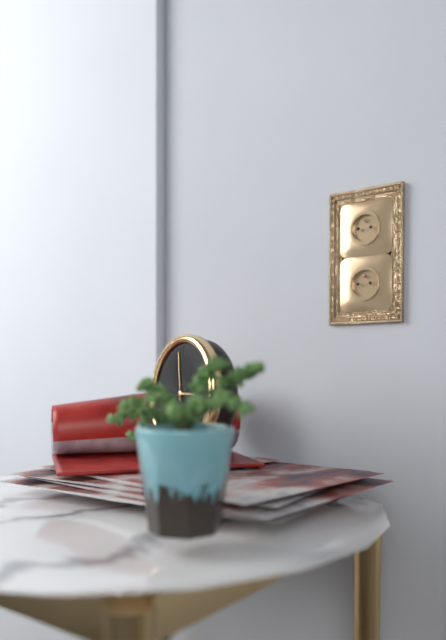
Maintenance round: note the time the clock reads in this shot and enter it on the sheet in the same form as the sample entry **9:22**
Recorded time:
**2:58**
